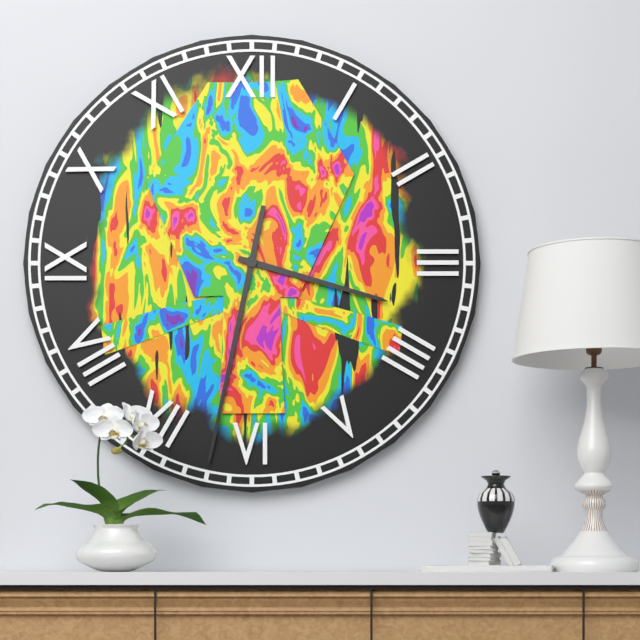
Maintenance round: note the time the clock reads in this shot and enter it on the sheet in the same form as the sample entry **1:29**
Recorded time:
**3:32**
